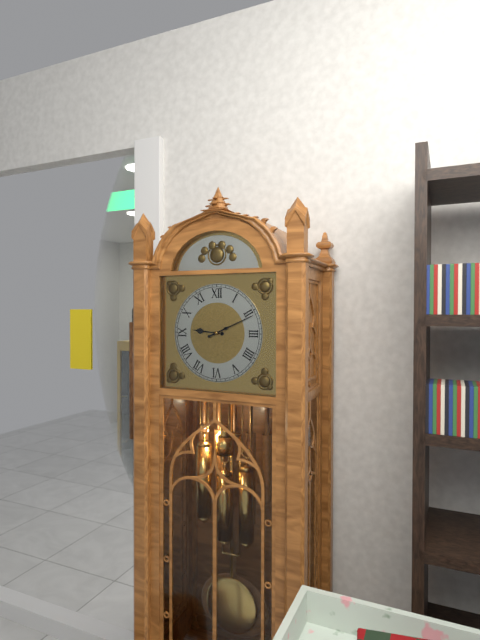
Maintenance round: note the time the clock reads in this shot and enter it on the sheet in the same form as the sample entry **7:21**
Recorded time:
**9:11**
